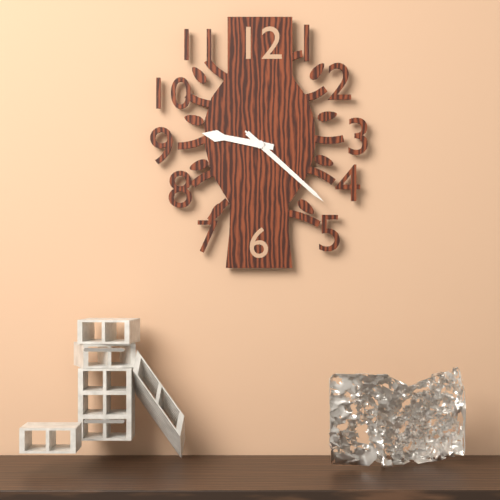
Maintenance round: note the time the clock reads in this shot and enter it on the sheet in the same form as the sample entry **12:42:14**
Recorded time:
**9:22:22**
